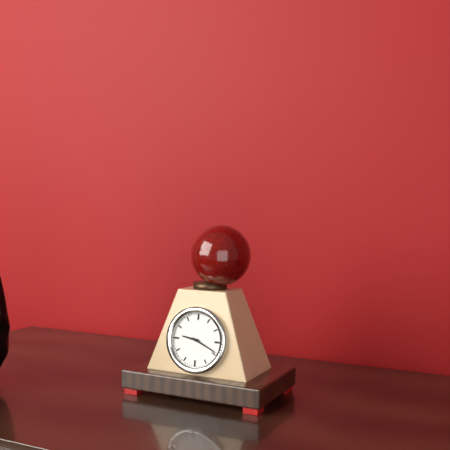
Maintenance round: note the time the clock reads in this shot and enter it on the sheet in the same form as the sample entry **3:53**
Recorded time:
**9:19**
